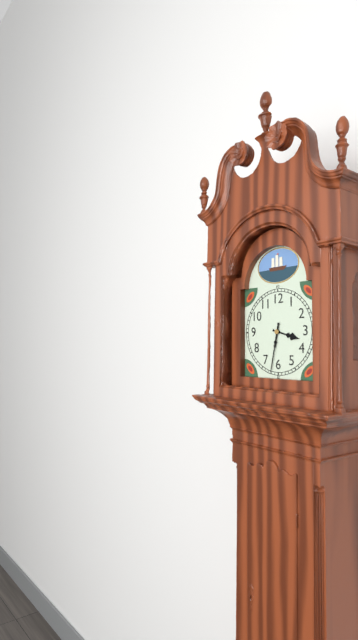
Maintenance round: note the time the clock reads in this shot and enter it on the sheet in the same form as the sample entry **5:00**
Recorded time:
**3:32**
